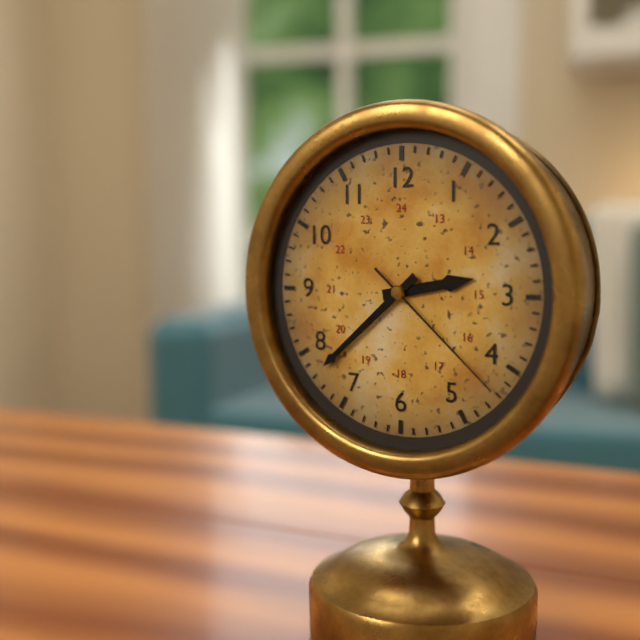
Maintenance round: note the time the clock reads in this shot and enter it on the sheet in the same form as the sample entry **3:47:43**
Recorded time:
**2:38:22**
